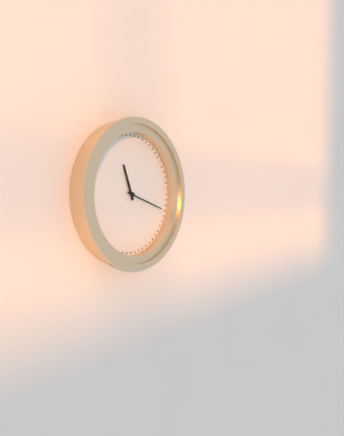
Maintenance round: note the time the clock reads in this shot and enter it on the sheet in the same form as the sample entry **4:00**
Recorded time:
**11:18**
